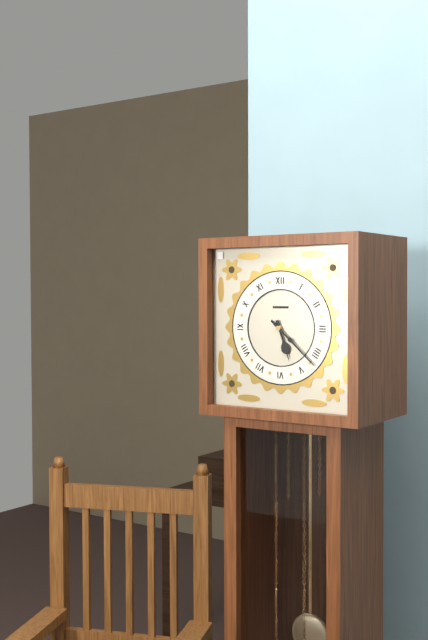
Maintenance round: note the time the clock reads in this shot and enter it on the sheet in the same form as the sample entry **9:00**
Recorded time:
**5:22**
